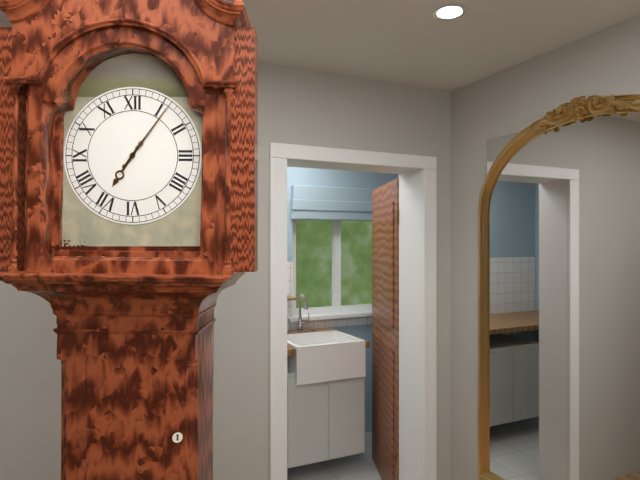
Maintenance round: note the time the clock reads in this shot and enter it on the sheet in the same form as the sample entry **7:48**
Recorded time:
**7:06**
